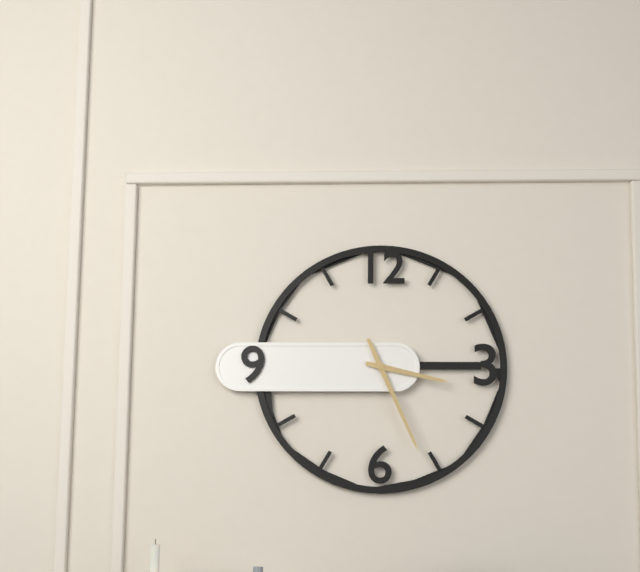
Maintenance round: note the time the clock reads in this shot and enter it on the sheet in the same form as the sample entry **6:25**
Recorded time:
**3:26**
